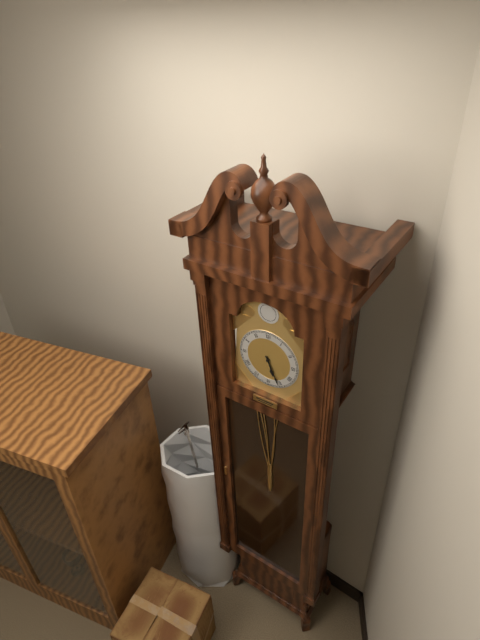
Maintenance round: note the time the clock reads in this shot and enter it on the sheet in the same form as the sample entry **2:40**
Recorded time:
**5:26**
